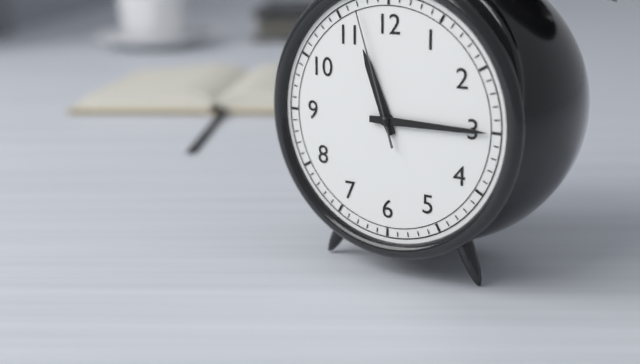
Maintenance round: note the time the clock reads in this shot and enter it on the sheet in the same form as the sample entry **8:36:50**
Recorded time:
**11:15:57**
